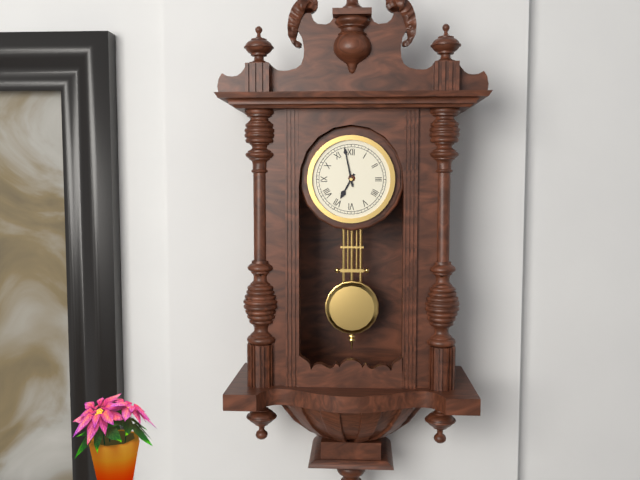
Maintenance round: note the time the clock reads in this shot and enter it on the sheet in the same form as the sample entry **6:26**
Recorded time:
**6:58**
